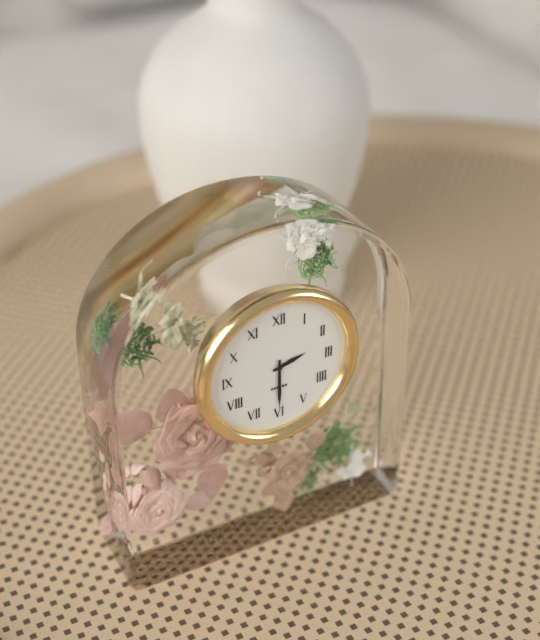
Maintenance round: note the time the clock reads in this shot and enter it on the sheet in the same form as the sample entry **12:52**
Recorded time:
**2:30**
